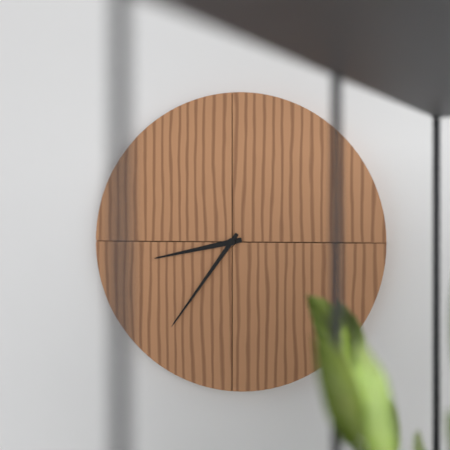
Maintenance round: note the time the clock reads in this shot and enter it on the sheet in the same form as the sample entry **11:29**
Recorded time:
**8:36**
